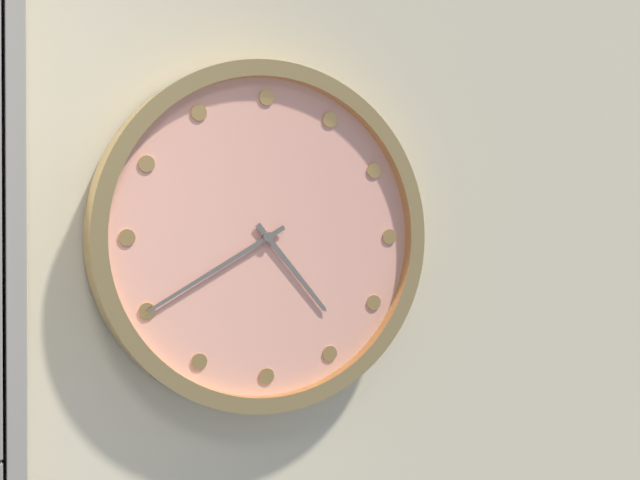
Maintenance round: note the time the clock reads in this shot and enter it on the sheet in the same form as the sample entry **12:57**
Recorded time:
**4:40**
